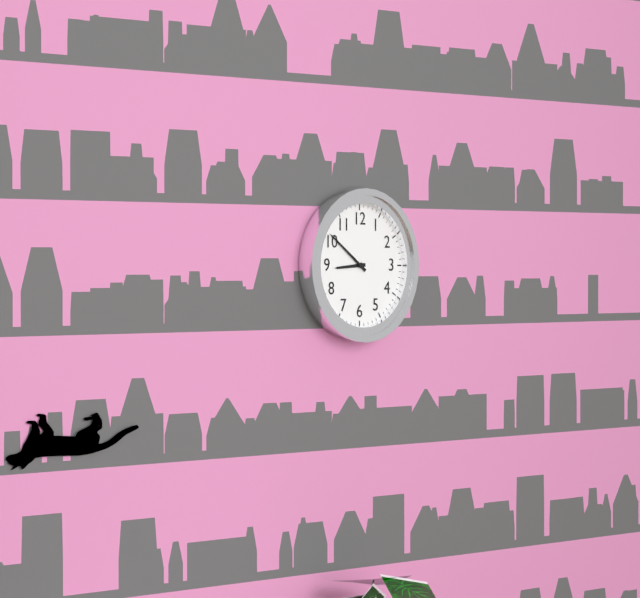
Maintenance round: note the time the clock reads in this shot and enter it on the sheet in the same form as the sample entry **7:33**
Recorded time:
**8:51**
